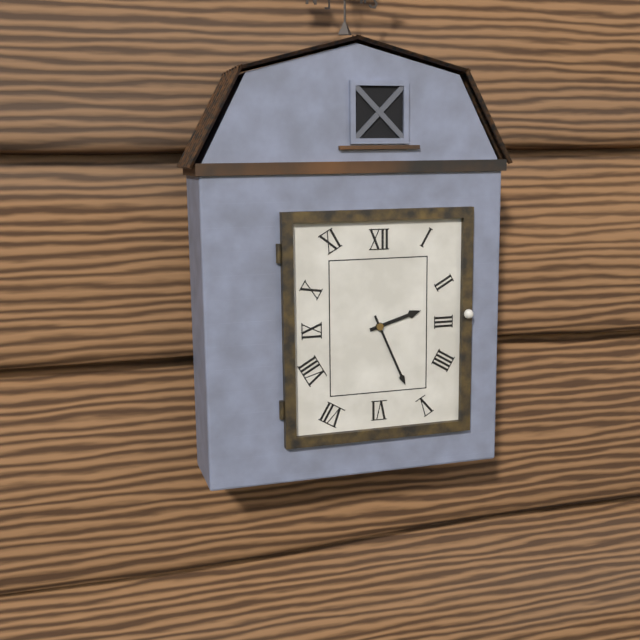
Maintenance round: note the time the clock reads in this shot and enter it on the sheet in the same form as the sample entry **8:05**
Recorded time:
**2:26**
